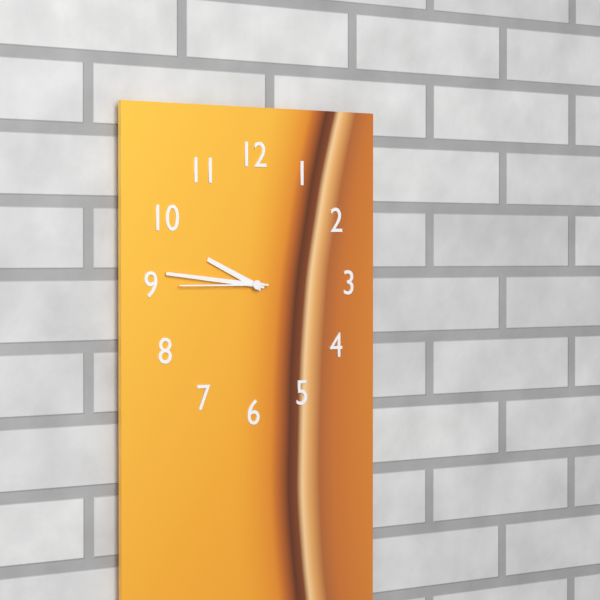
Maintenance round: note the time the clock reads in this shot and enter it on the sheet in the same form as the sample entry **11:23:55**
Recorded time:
**9:46:45**
